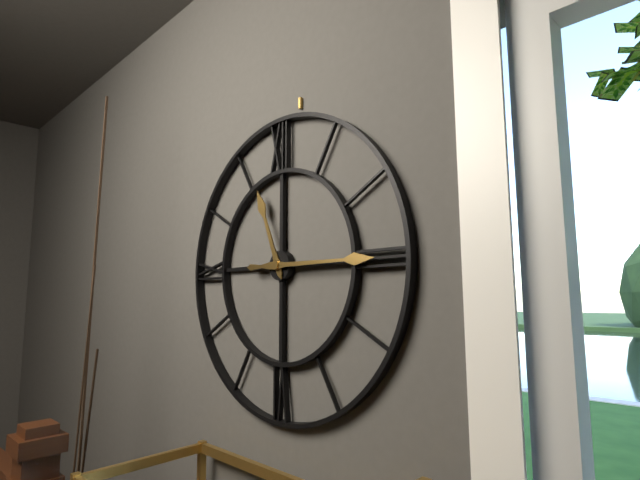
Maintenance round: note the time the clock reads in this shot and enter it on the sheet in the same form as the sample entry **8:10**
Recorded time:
**11:15**
